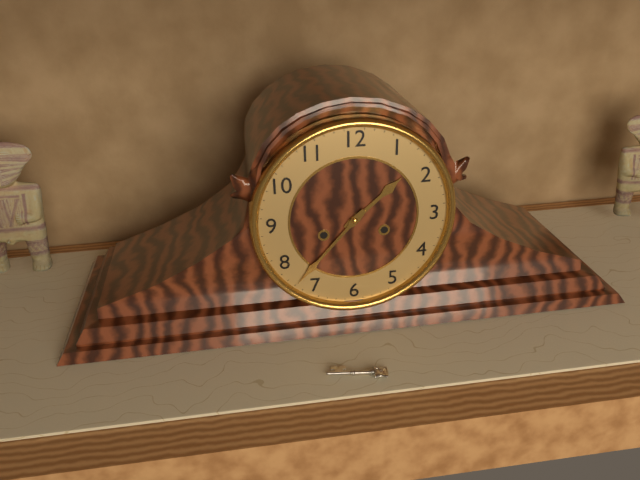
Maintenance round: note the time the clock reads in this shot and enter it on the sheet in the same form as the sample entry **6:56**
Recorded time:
**1:37**
